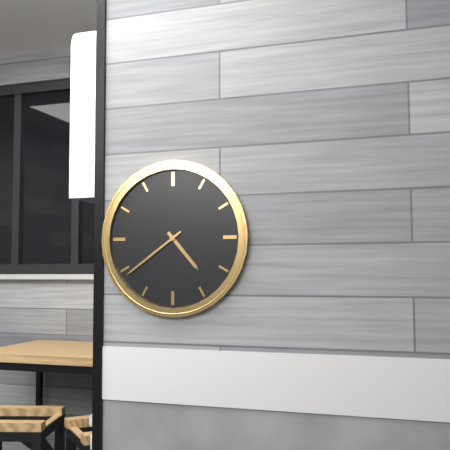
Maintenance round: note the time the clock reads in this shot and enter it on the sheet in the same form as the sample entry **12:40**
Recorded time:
**4:39**
